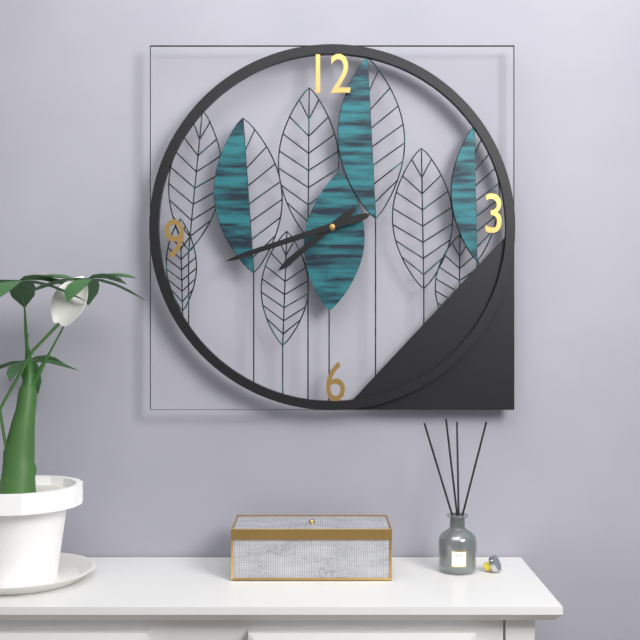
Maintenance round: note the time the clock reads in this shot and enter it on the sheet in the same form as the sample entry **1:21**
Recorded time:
**7:42**
